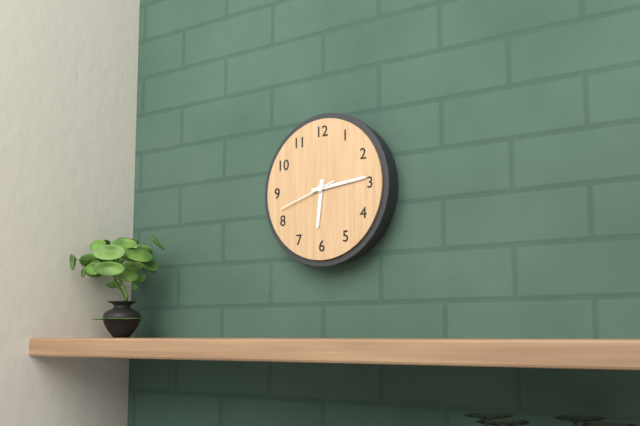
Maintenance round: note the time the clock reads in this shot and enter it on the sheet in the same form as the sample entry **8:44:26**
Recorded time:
**6:14:42**
